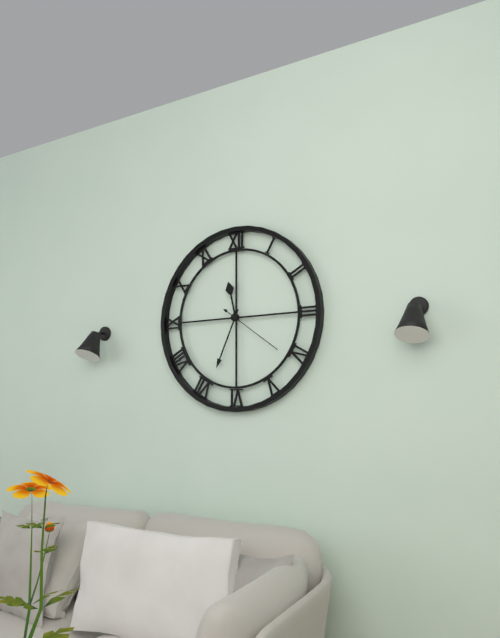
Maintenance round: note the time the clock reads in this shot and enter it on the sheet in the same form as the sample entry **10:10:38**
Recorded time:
**11:34:21**
